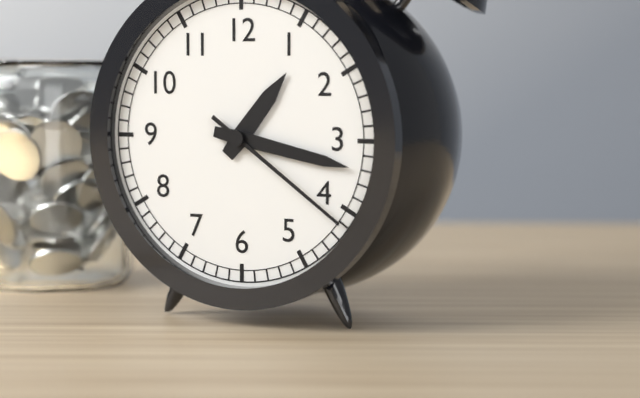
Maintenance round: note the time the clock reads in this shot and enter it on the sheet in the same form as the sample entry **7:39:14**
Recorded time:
**1:17:21**
